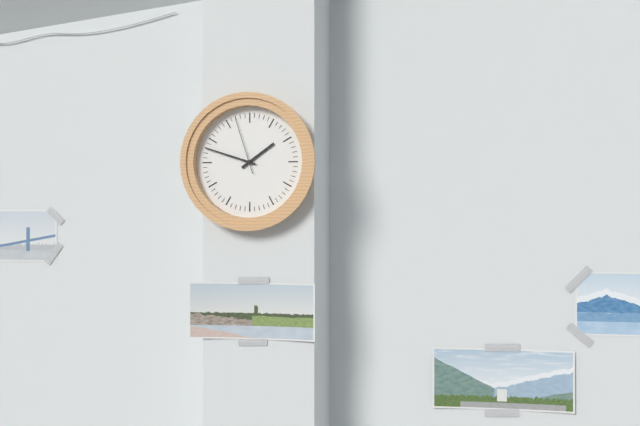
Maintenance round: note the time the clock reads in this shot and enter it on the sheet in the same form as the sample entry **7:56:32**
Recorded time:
**1:48:57**
